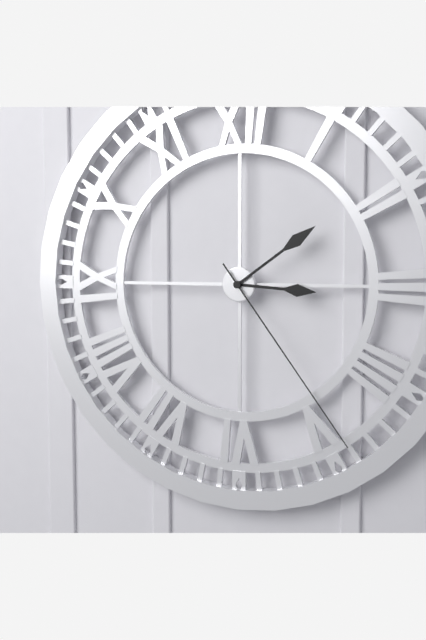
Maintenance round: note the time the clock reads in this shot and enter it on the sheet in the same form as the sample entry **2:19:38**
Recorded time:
**3:09:24**
